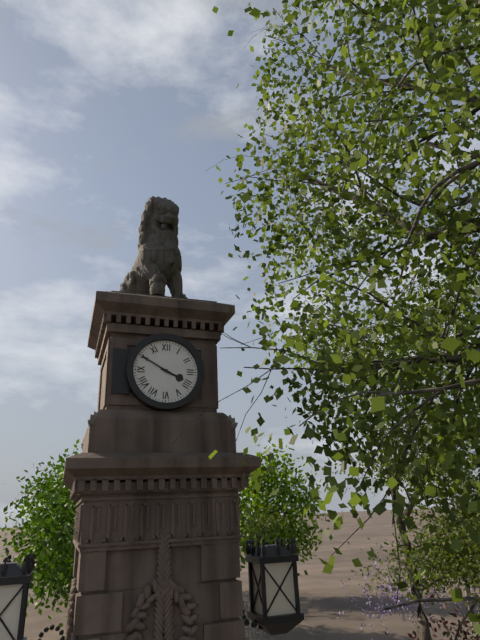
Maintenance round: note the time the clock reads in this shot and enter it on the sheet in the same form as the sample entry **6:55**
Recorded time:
**3:50**
